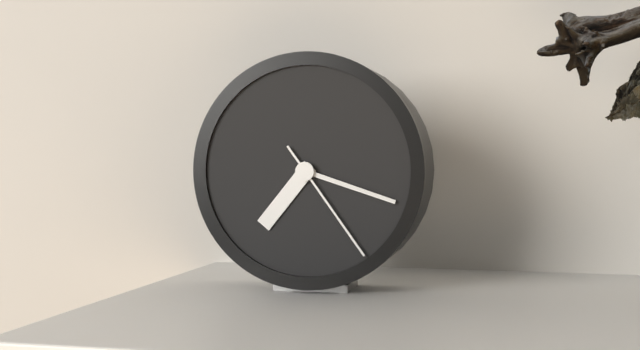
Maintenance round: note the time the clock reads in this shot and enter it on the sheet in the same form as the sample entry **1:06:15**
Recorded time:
**7:18:24**
